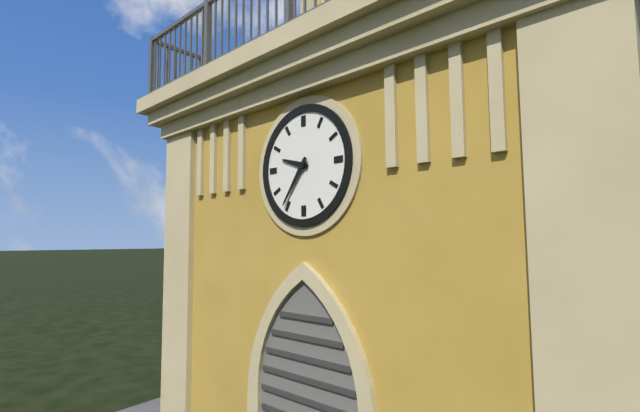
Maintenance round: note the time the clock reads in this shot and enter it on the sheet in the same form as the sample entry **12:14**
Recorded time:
**9:36**
